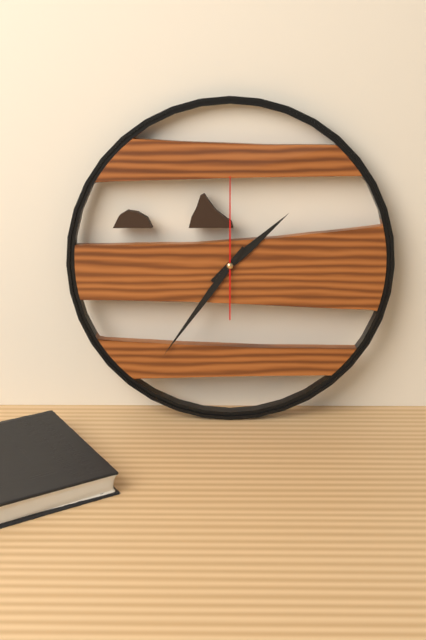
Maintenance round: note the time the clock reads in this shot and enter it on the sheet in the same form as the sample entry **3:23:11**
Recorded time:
**1:36:00**
